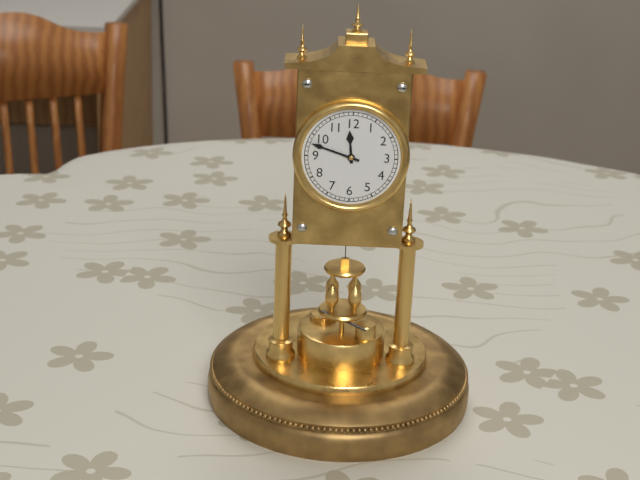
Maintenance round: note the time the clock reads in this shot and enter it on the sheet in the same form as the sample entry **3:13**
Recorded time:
**11:48**
